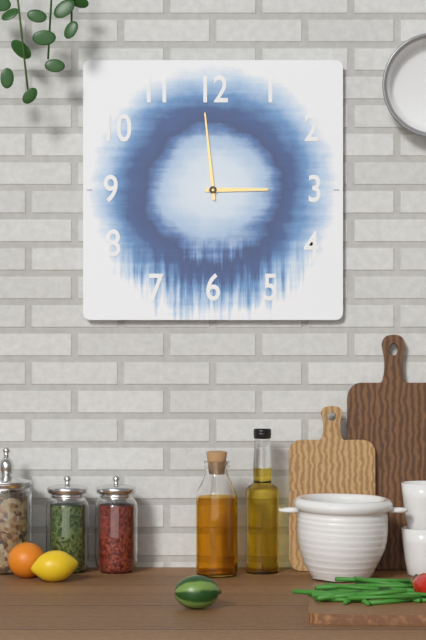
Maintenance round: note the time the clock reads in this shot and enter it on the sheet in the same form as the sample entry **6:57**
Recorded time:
**2:59**
